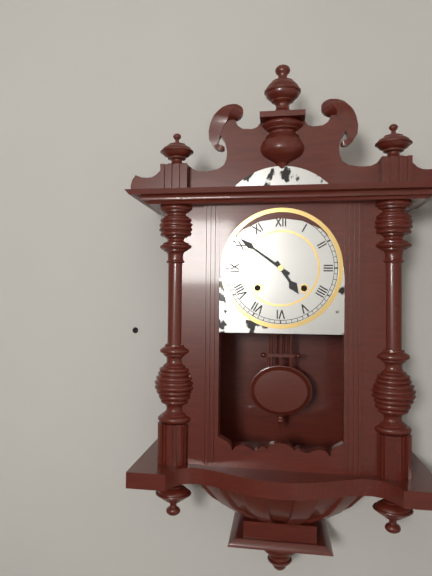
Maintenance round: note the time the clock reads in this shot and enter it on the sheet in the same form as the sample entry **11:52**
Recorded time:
**4:51**
